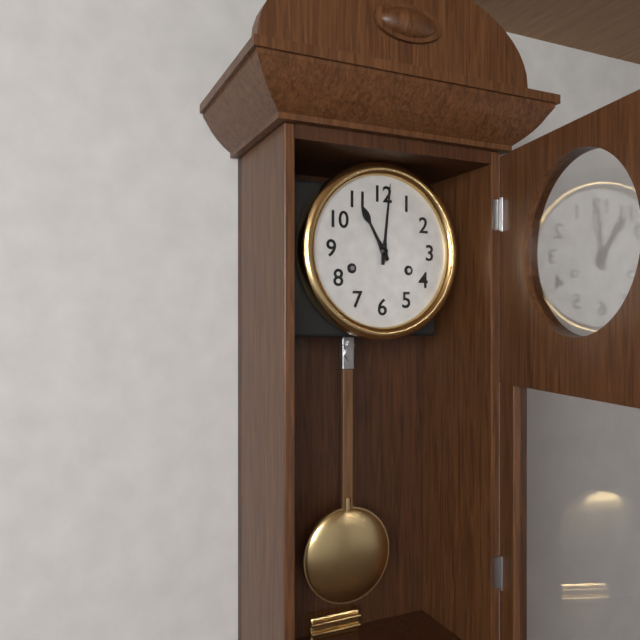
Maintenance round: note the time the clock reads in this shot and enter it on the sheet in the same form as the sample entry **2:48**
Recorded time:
**11:01**
